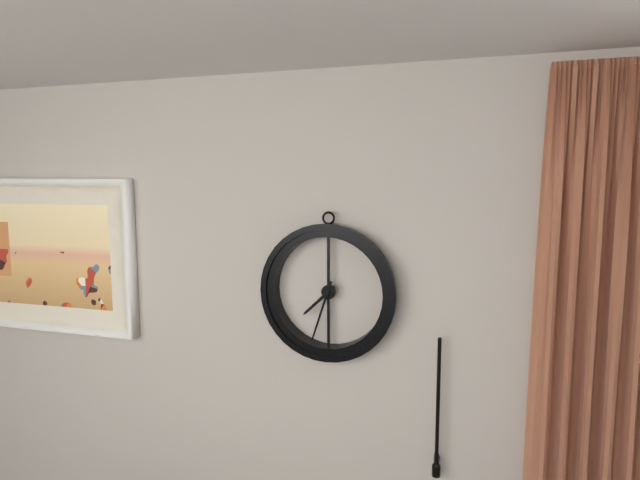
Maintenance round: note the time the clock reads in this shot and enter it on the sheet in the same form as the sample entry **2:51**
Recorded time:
**7:33**
